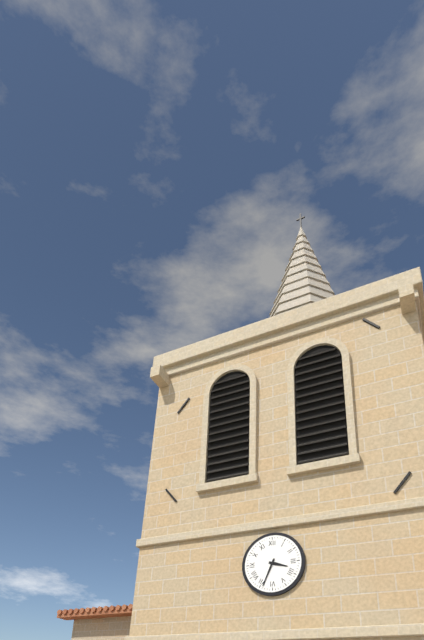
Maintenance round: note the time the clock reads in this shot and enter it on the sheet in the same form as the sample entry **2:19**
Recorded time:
**3:34**
